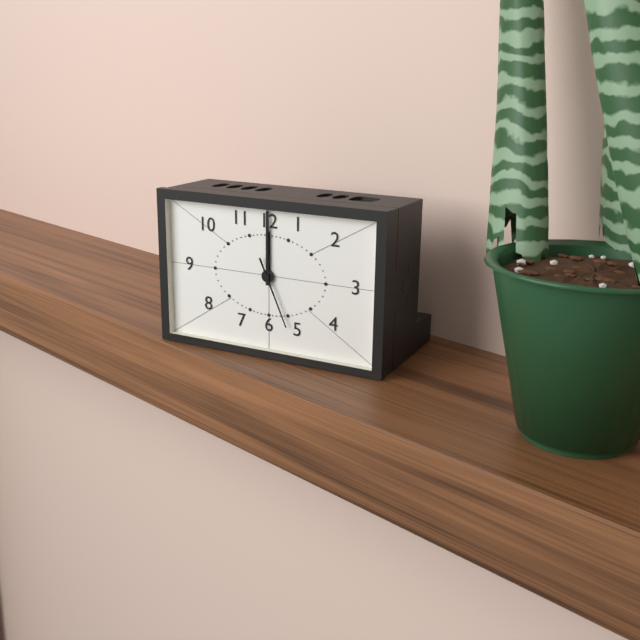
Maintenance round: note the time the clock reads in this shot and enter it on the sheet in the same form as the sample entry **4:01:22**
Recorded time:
**12:00:26**
